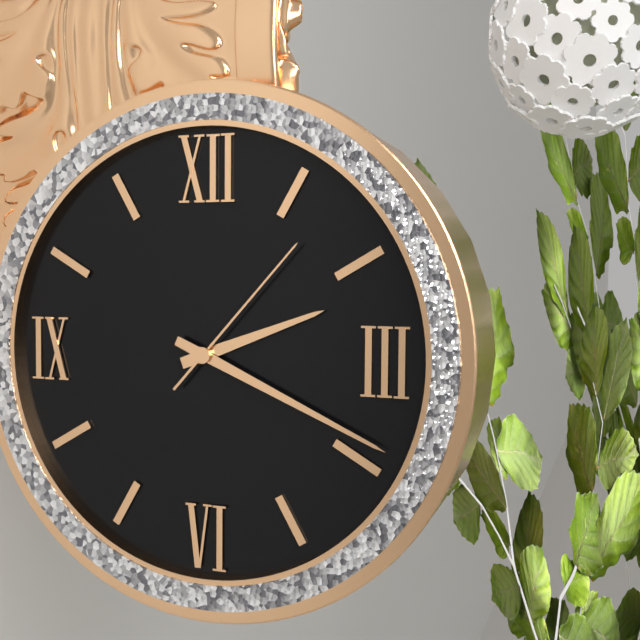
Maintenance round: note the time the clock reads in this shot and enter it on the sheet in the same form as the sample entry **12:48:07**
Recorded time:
**2:19:07**
